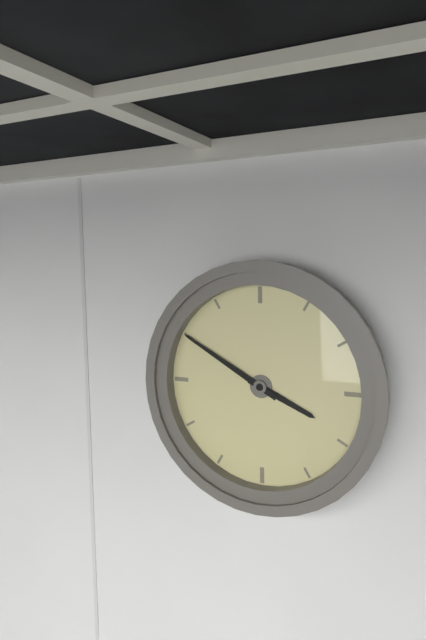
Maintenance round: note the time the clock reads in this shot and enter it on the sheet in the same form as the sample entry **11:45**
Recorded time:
**3:50**
